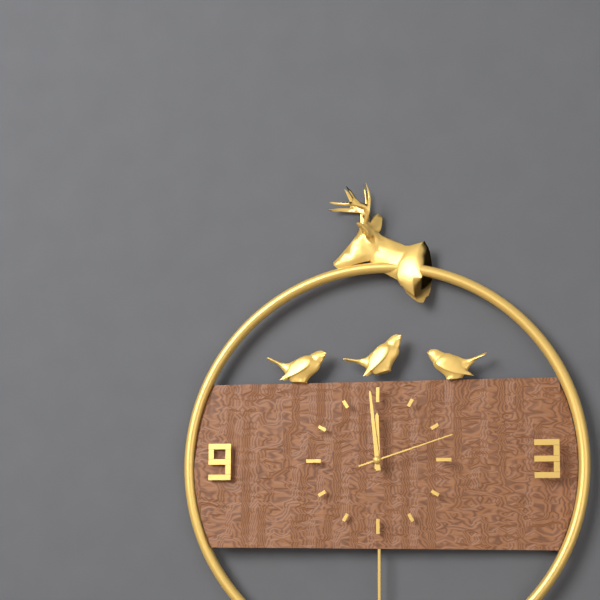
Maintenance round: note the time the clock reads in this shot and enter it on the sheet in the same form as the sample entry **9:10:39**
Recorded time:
**11:59:12**
